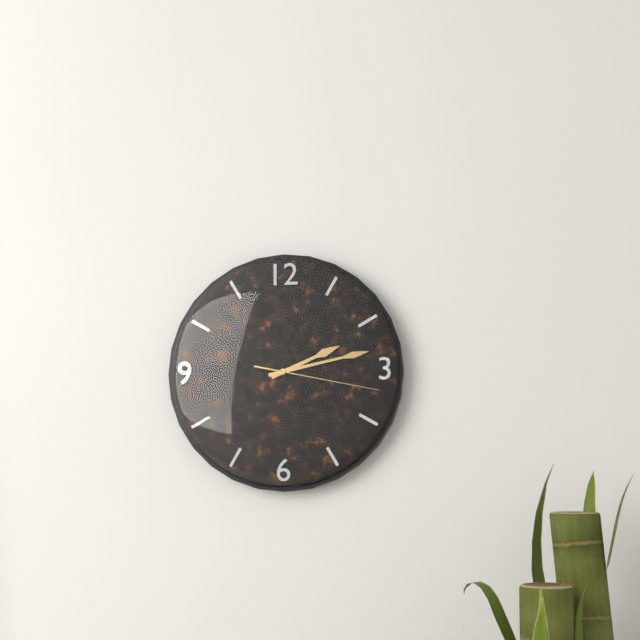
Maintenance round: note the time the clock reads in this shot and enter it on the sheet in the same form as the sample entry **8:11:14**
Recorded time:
**2:13:17**
